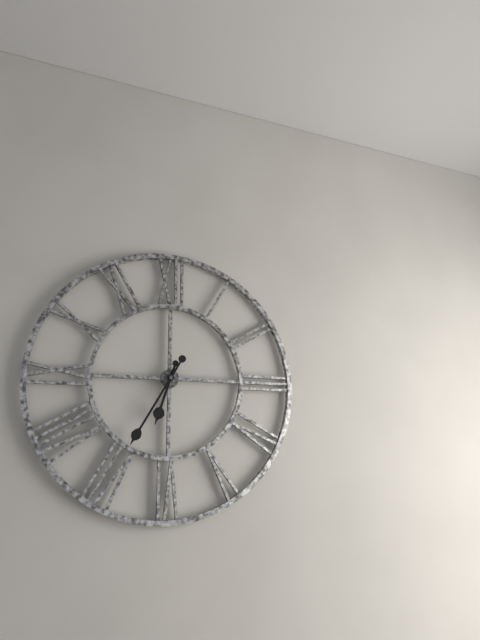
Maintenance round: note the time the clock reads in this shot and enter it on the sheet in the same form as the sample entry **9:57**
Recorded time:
**6:35**
